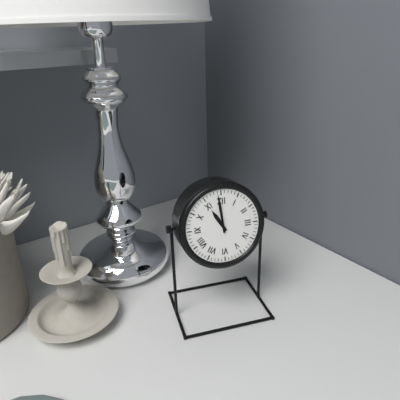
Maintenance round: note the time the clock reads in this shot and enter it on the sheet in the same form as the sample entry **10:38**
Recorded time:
**10:59**
